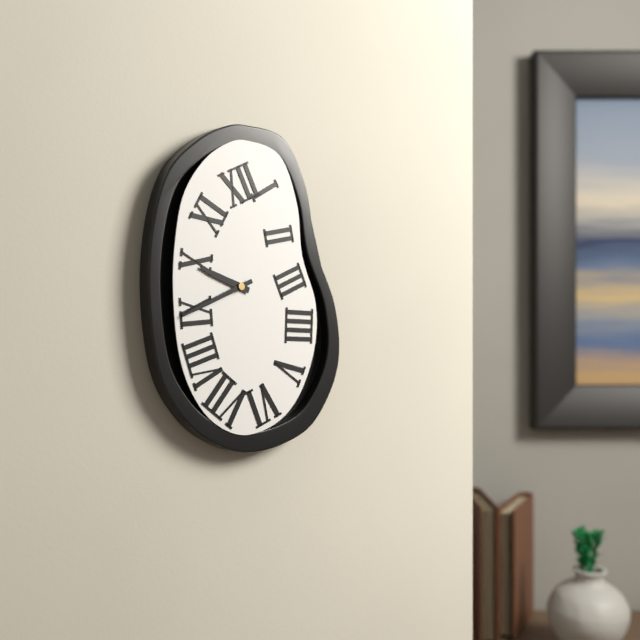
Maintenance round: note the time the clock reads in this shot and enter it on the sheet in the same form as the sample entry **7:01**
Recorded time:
**9:41**
